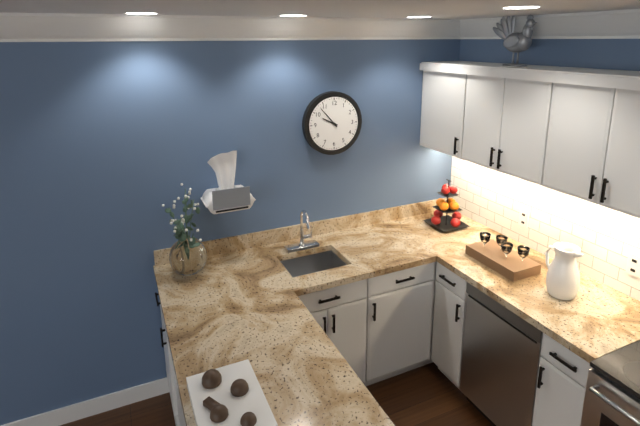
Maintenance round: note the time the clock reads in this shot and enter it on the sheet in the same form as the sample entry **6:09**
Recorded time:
**9:53**
